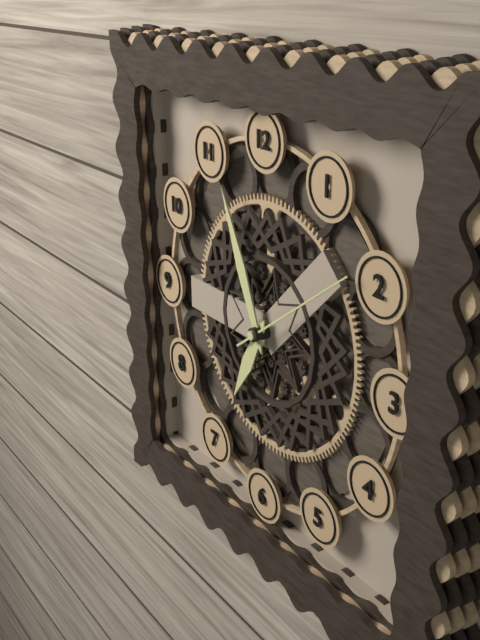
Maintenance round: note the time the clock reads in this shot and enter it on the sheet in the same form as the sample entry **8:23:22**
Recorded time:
**6:56:09**
